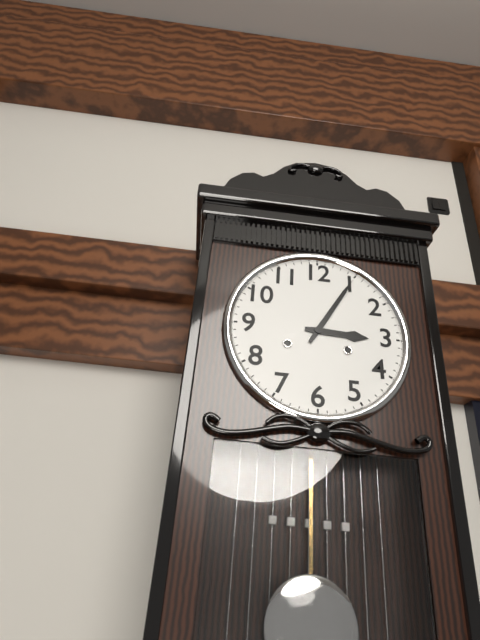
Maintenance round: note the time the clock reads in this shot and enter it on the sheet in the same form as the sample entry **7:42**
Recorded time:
**3:05**
